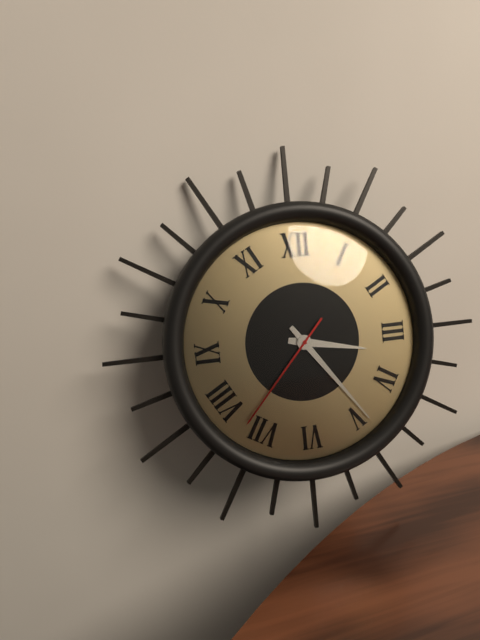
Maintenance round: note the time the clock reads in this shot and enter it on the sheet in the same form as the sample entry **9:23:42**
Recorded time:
**3:24:37**
